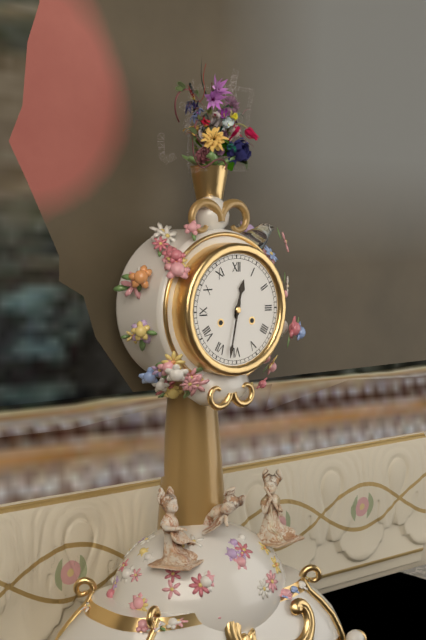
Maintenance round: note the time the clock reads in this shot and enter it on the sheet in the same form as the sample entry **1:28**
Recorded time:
**12:32**
